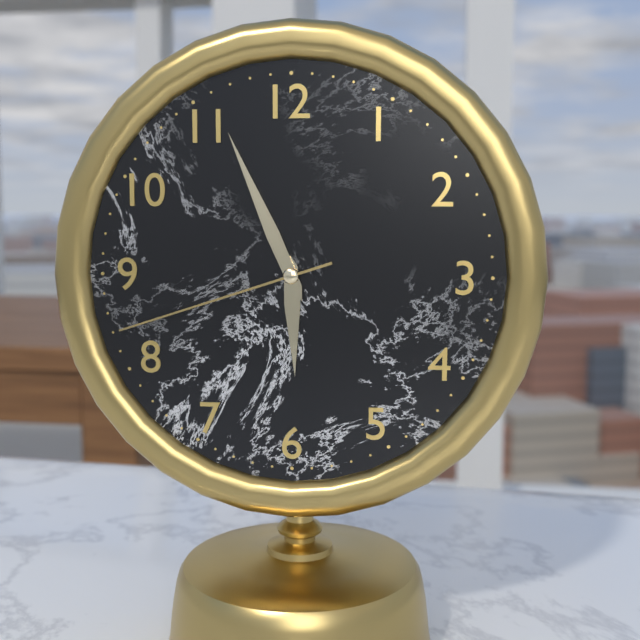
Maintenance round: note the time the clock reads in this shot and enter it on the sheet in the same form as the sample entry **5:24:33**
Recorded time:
**5:56:42**
